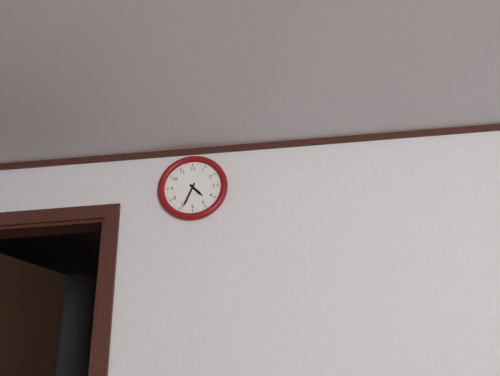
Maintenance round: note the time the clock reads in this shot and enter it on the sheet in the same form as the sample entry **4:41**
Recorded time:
**4:34**
